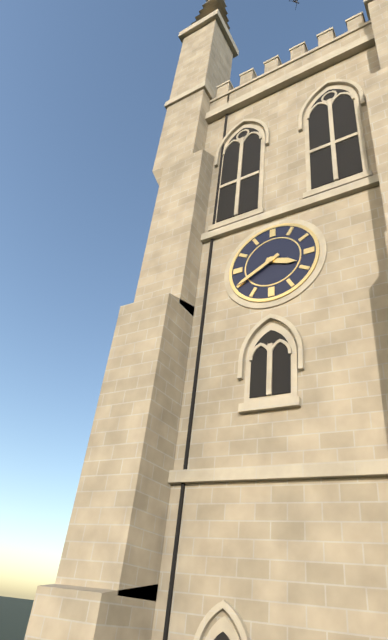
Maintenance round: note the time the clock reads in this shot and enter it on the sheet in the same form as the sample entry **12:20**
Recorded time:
**3:40**
